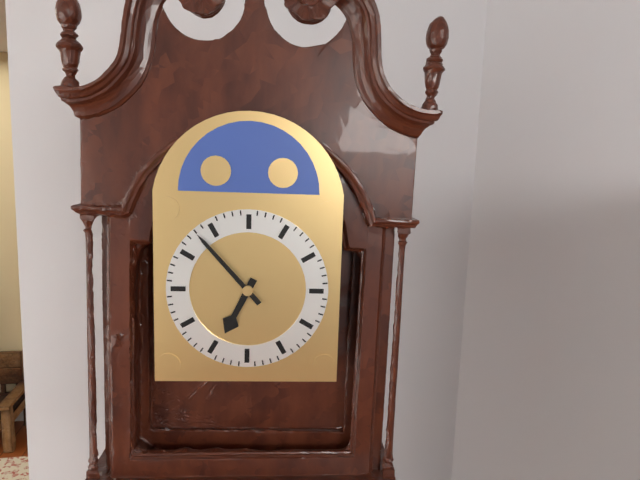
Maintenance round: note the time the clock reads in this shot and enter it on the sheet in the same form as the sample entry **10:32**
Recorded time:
**6:53**
